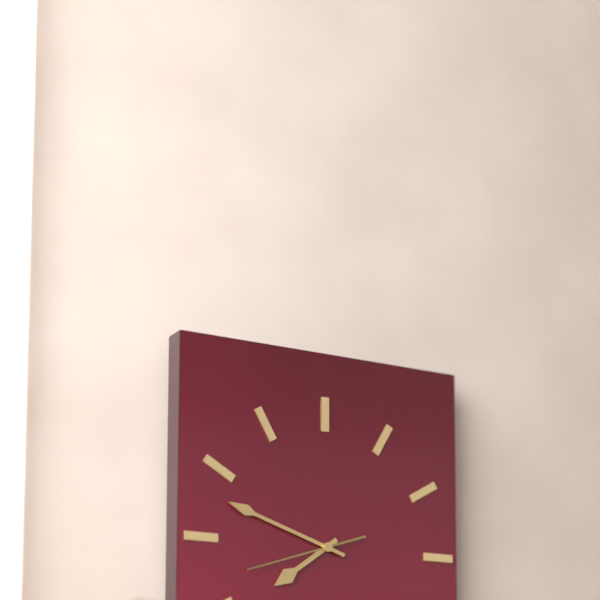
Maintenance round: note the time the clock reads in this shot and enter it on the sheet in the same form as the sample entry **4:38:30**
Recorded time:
**7:48:42**
